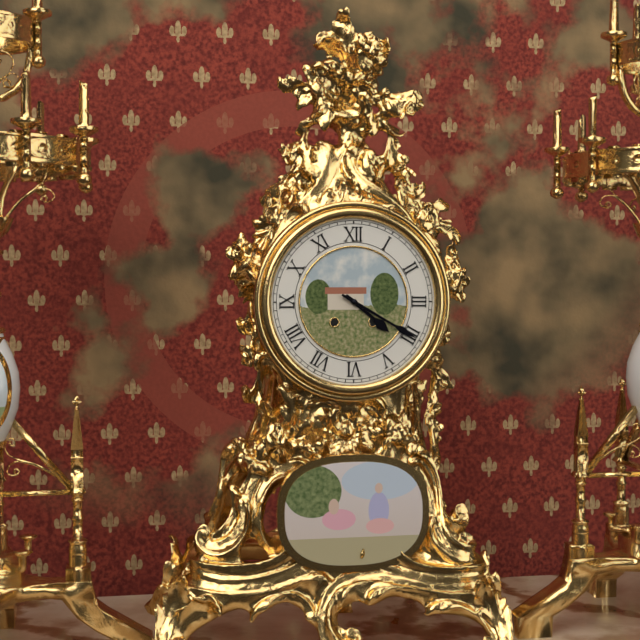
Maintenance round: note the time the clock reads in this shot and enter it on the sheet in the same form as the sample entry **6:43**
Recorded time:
**4:20**
